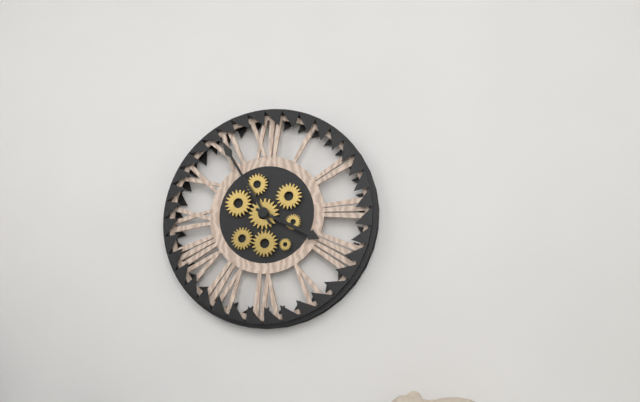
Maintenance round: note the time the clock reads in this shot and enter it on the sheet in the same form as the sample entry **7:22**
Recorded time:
**3:55**
